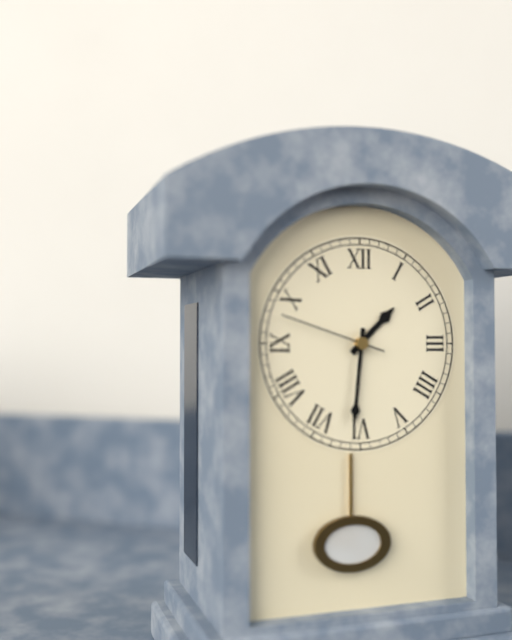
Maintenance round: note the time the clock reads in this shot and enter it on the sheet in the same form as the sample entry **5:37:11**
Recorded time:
**1:31:48**
